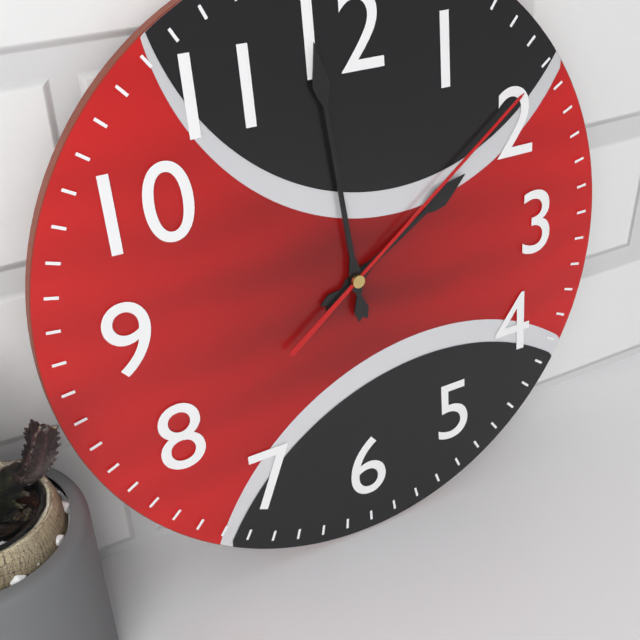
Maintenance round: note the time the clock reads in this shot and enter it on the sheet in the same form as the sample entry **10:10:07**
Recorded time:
**1:59:09**
